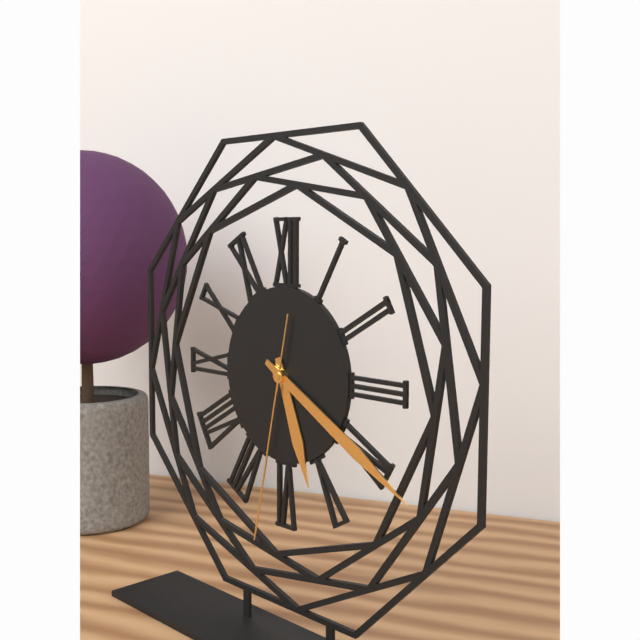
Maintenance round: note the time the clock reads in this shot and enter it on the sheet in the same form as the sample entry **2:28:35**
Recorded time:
**5:20:32**
